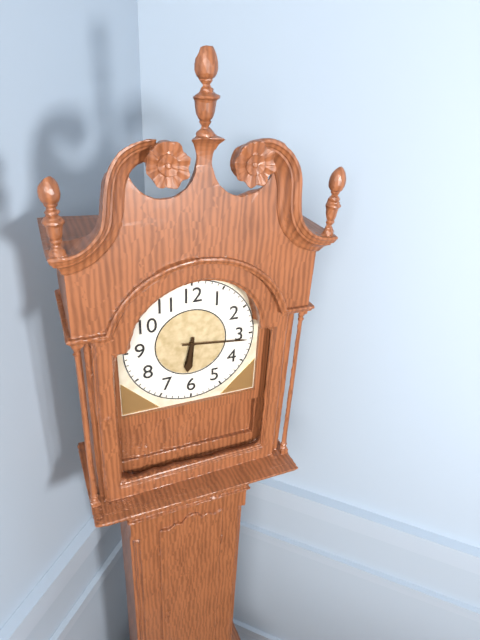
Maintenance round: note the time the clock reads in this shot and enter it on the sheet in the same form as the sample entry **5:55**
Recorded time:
**6:16**
